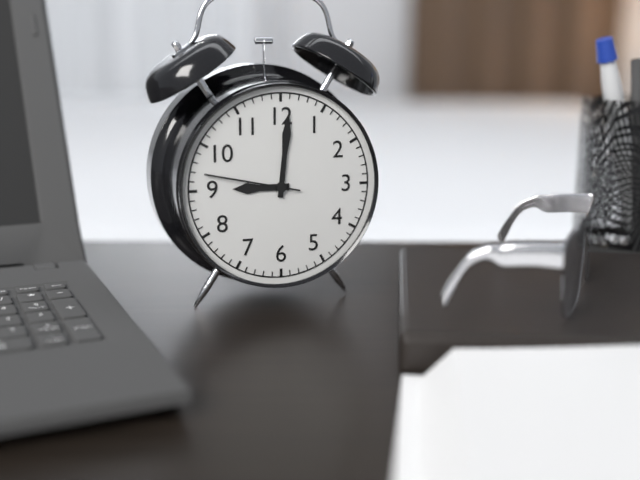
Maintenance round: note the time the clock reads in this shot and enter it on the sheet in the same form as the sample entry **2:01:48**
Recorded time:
**9:01:47**
